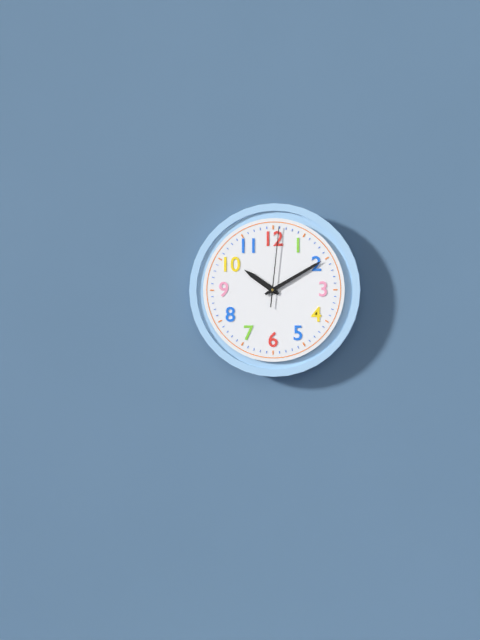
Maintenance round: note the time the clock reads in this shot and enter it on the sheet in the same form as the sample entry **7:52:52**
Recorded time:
**10:10:01**
